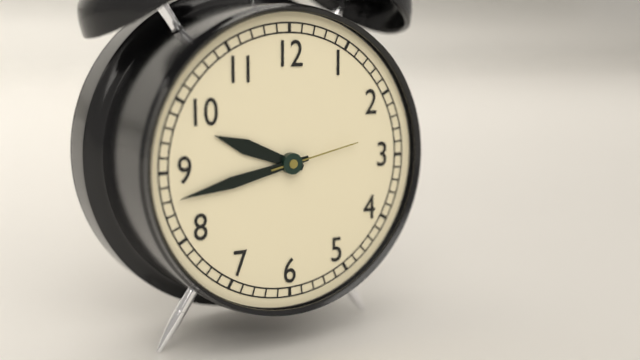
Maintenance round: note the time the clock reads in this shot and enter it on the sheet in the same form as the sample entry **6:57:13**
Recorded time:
**9:43:13**
